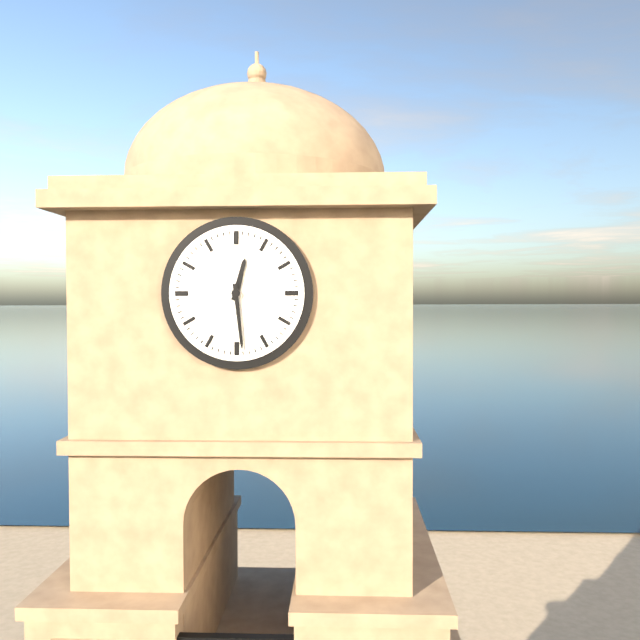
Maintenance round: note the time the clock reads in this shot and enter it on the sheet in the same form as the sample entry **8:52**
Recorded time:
**12:29**
